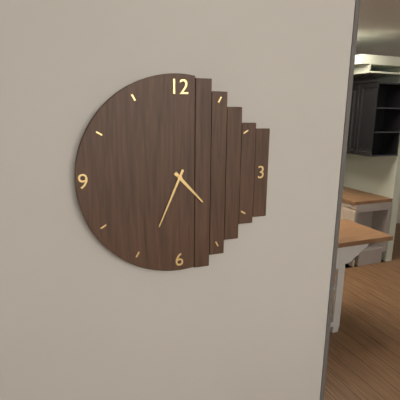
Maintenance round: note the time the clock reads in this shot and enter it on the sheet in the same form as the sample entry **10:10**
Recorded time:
**4:34**
